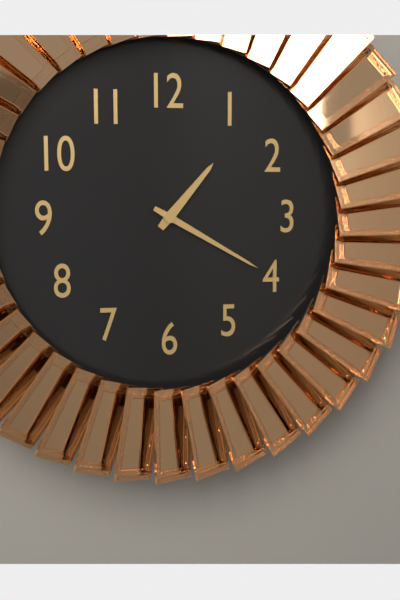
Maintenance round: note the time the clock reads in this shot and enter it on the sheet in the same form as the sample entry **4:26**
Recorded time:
**1:20**
